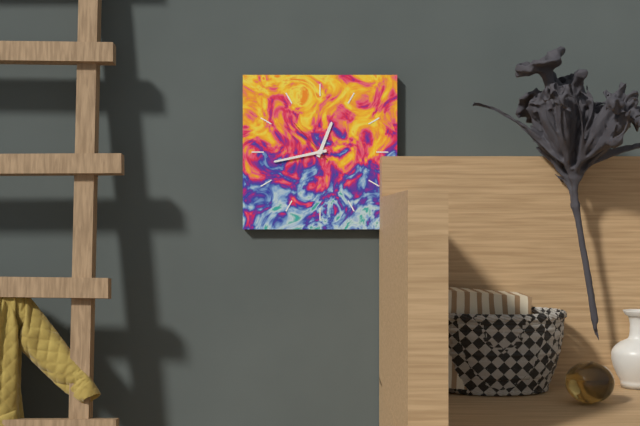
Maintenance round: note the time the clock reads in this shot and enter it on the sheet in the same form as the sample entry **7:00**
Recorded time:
**12:43**
